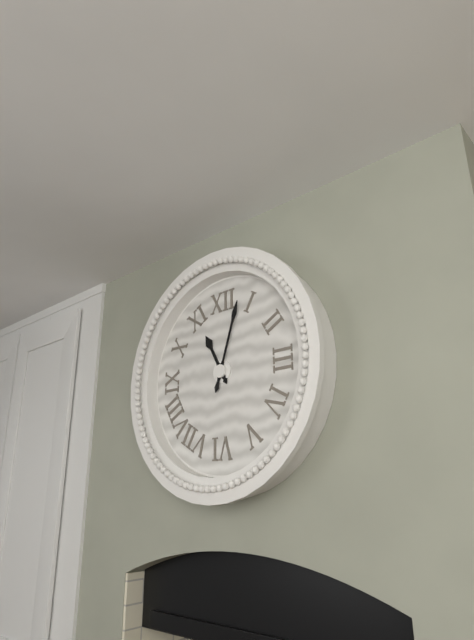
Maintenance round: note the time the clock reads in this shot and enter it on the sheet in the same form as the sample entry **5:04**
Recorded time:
**11:03**
